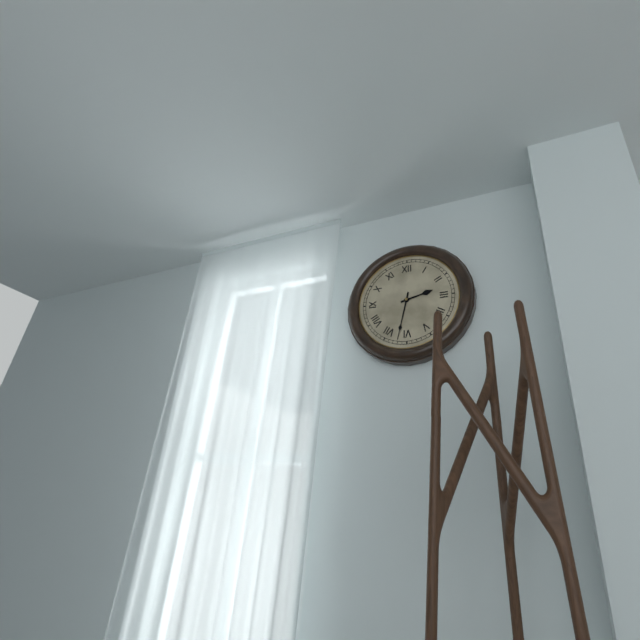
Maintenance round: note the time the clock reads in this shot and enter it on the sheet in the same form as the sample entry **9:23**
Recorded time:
**2:32**
